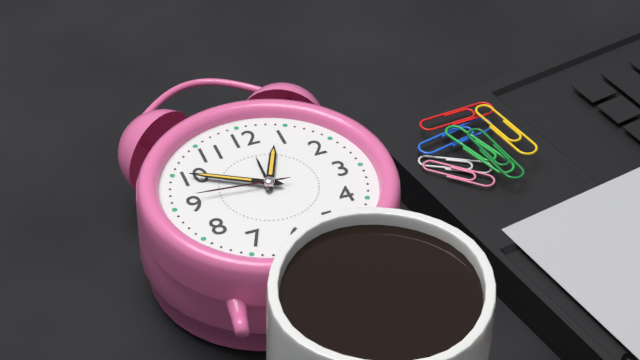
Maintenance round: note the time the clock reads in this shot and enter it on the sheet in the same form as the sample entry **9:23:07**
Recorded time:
**12:50:46**
